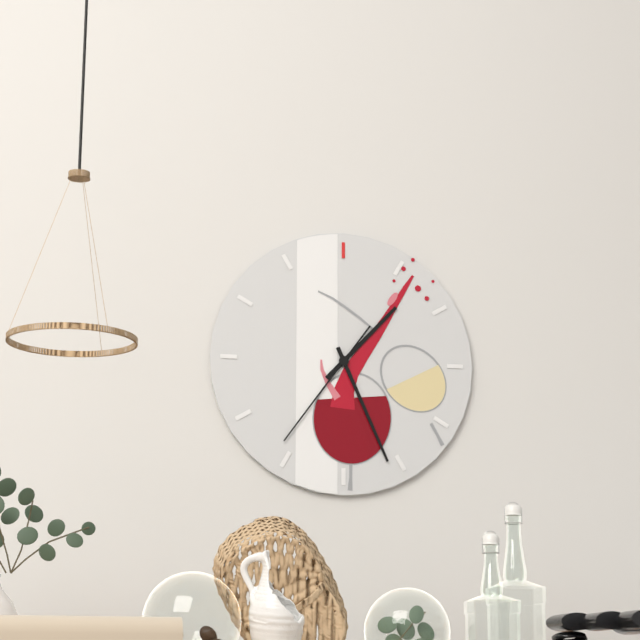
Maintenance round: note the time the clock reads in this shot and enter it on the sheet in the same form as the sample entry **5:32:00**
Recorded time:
**1:26:36**
